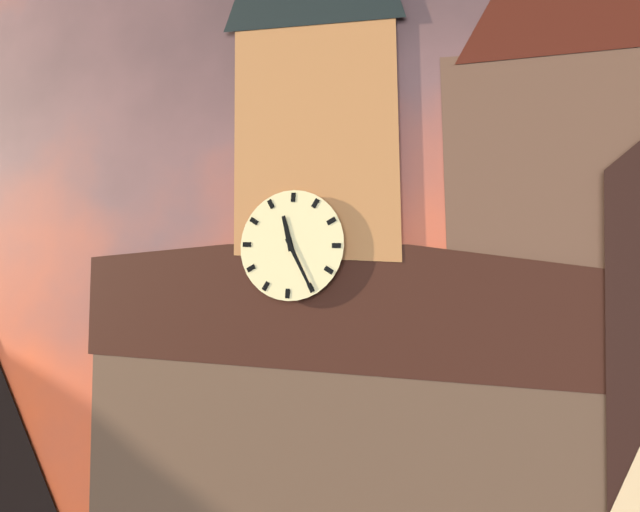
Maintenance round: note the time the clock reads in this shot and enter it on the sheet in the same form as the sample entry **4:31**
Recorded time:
**11:25**
